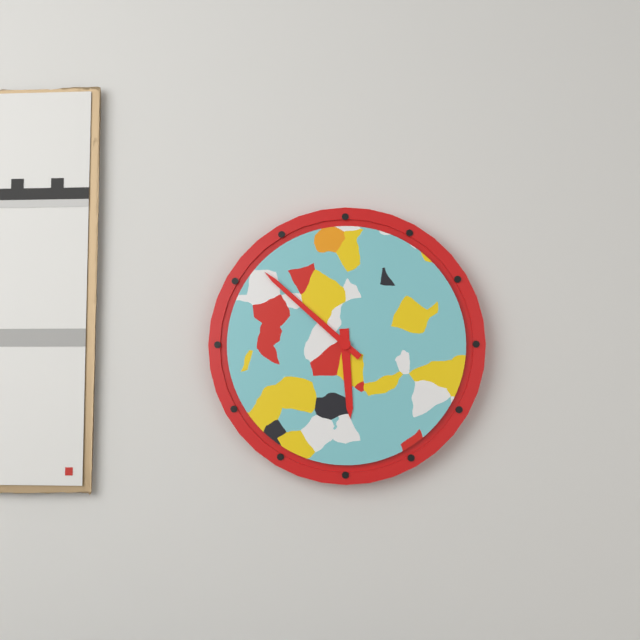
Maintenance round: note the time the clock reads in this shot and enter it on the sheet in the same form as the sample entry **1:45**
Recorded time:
**5:52**
